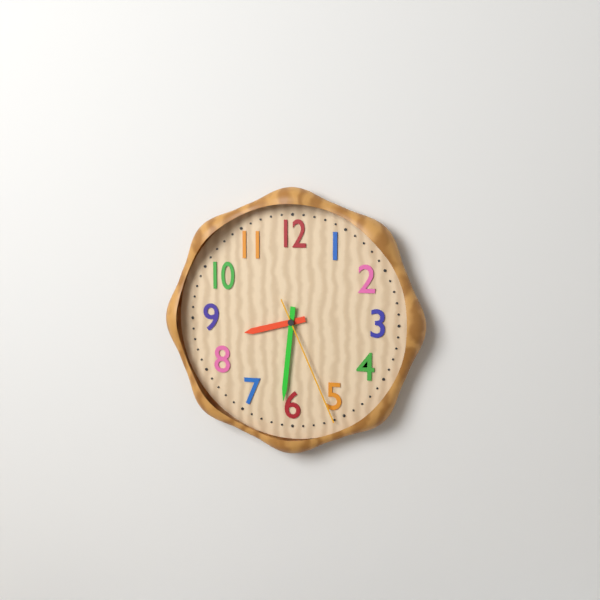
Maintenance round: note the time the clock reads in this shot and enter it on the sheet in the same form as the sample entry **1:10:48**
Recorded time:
**8:31:26**
